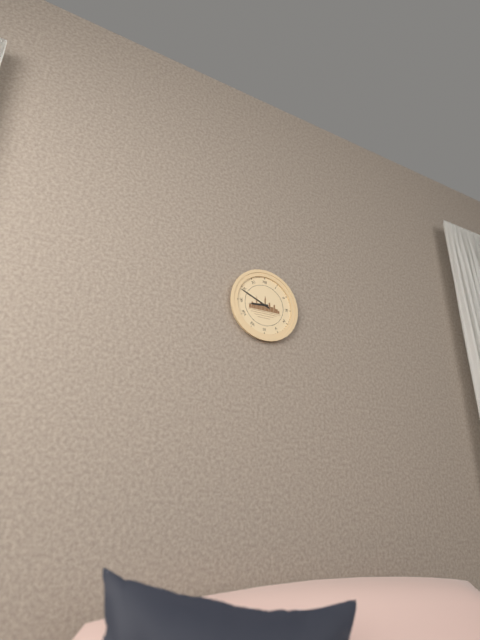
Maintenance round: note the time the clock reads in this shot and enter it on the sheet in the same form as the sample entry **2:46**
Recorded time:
**8:49**
